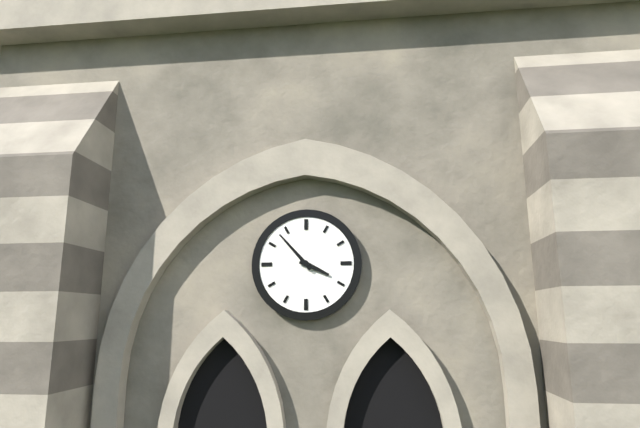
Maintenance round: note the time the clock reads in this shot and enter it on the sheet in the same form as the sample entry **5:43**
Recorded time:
**3:53**
